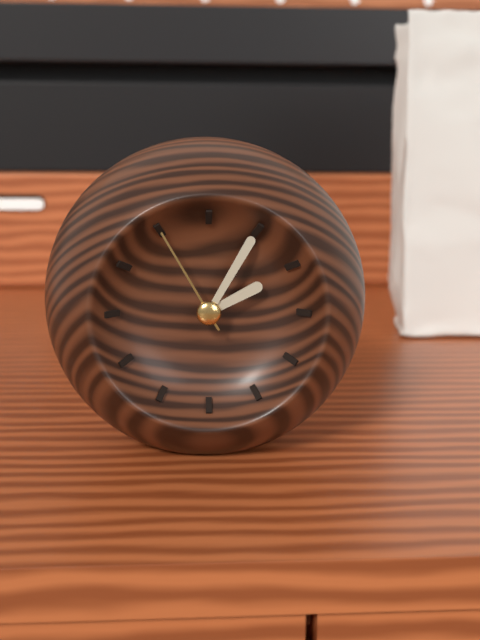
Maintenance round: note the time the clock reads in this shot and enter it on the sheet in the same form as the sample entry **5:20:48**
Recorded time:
**2:05:55**
